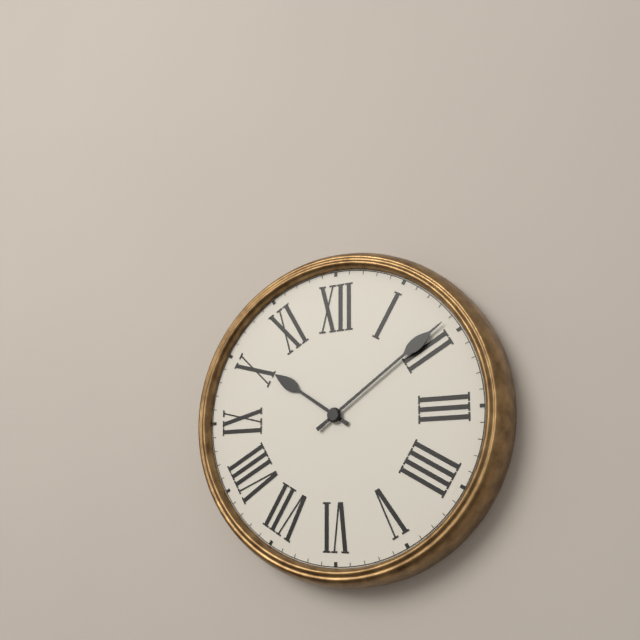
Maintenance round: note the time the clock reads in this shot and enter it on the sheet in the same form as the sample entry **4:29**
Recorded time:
**10:09**
